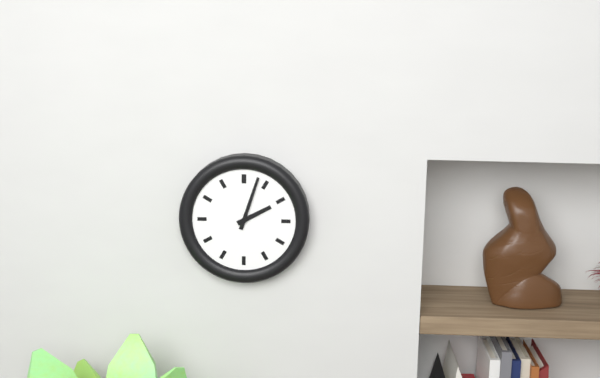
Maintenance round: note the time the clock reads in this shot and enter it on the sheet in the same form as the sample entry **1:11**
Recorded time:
**2:03**
